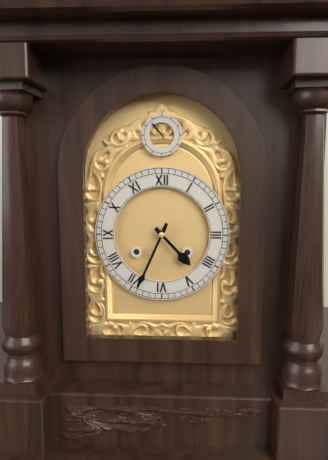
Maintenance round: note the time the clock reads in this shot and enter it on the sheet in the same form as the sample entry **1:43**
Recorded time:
**4:34**
